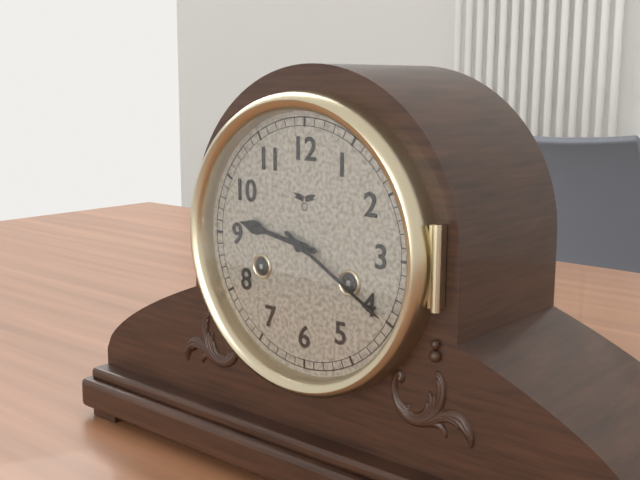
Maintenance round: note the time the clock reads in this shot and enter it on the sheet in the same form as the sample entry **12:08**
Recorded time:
**9:20**
